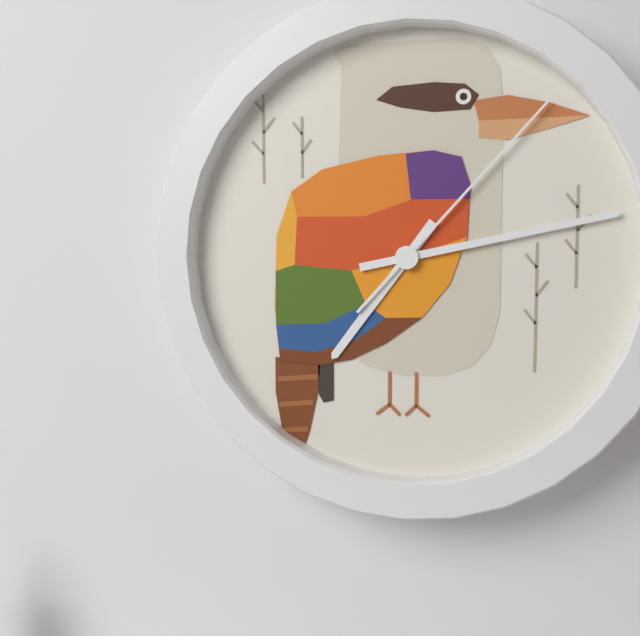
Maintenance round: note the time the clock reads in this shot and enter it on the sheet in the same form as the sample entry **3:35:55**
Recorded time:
**7:13:07**
